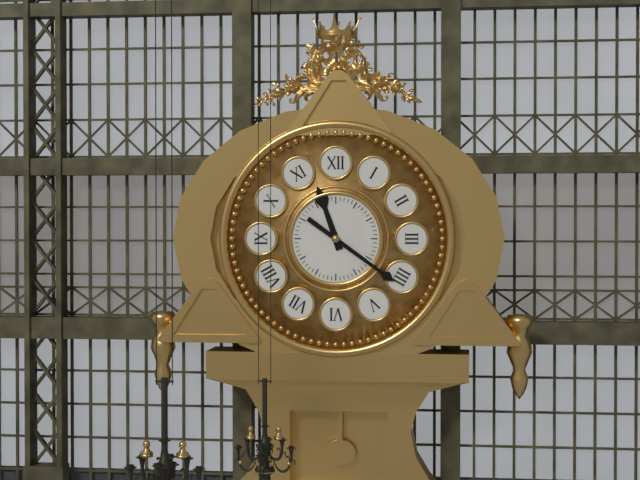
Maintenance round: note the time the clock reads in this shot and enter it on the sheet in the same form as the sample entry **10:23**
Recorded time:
**11:21**
